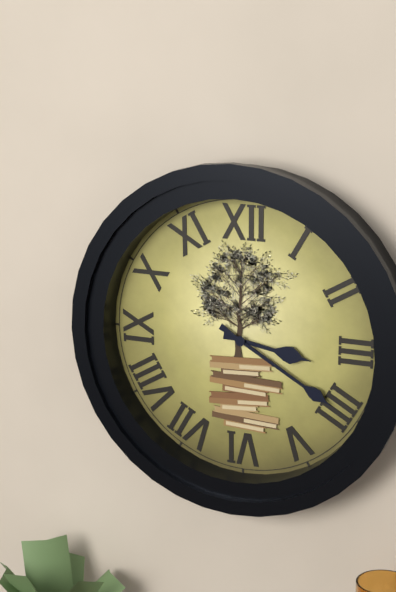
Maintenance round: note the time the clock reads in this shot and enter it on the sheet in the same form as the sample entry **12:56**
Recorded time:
**3:20**
